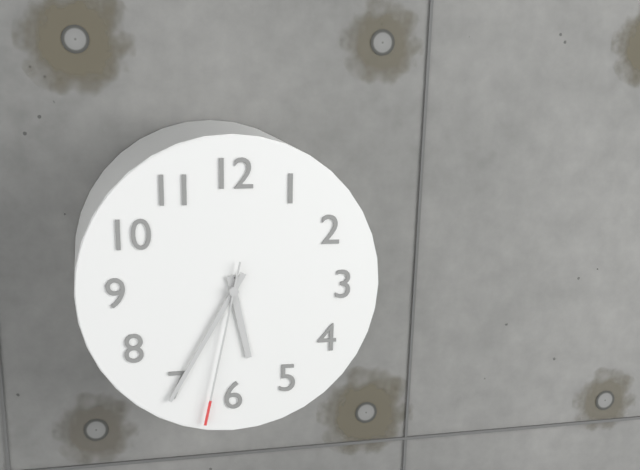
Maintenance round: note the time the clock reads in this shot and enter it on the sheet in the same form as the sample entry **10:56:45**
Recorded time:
**5:35:32**
